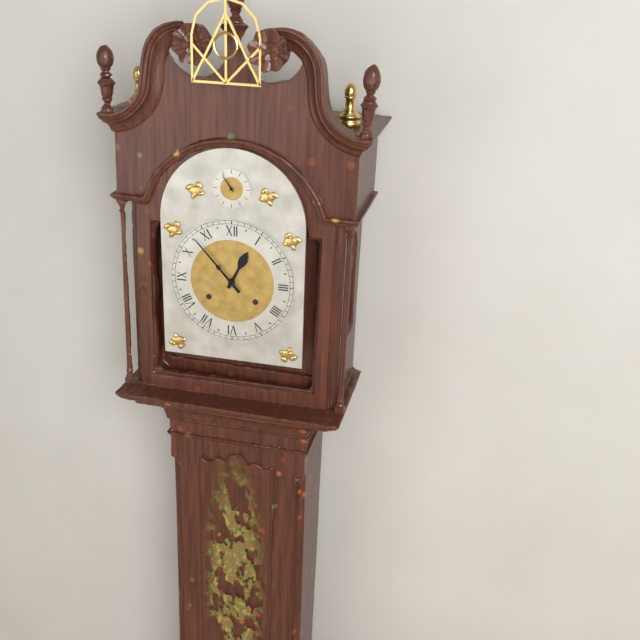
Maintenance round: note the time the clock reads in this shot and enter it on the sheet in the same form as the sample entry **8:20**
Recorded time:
**12:53**
